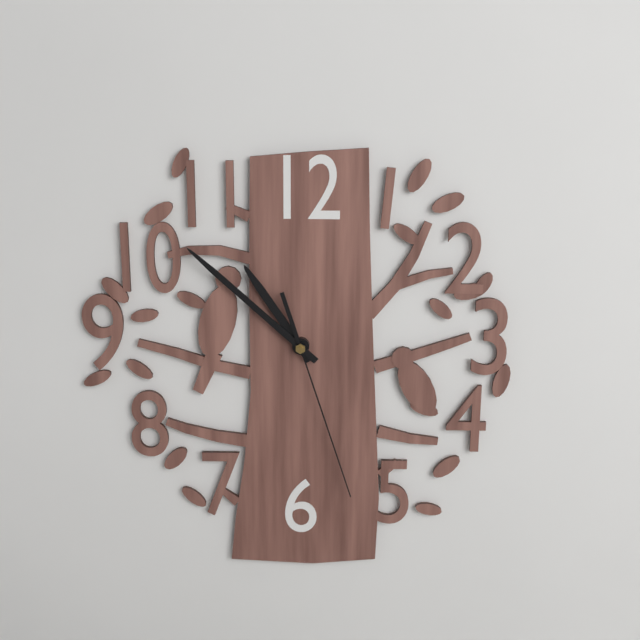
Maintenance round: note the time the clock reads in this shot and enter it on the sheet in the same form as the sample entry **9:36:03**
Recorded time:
**10:52:27**
